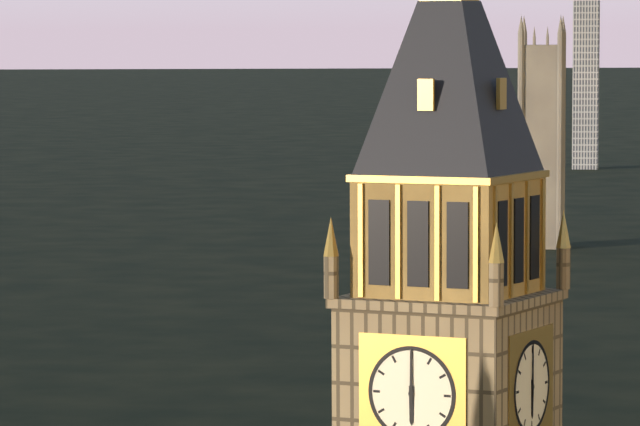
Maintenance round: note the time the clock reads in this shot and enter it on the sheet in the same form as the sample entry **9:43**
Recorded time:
**6:00**
